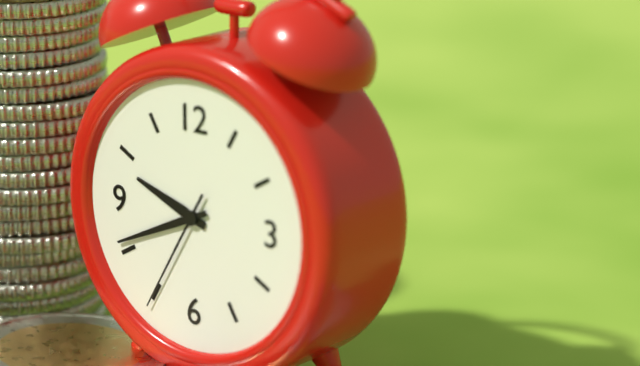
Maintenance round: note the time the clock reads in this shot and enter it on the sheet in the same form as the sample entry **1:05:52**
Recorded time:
**9:41:35**
